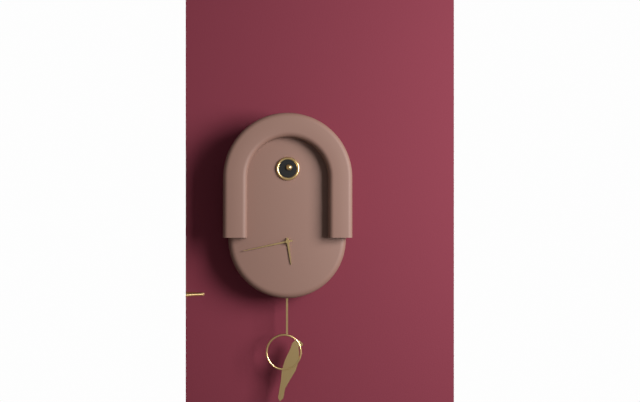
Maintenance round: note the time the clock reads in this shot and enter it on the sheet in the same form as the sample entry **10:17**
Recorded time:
**5:43**
